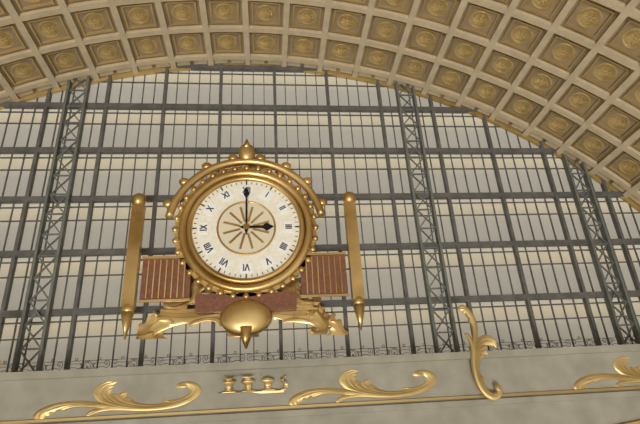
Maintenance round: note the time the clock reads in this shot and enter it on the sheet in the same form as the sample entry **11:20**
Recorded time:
**3:00**
